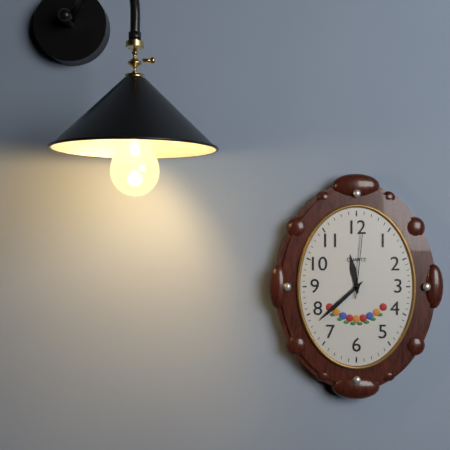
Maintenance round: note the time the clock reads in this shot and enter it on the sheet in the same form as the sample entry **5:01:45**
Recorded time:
**11:38:01**
